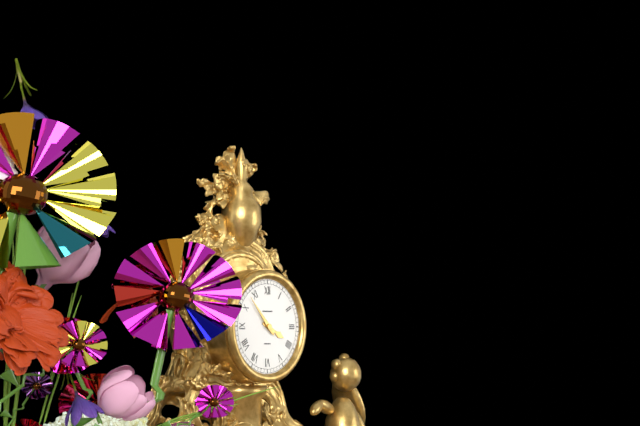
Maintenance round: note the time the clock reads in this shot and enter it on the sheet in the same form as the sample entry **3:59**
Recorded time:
**3:53**
